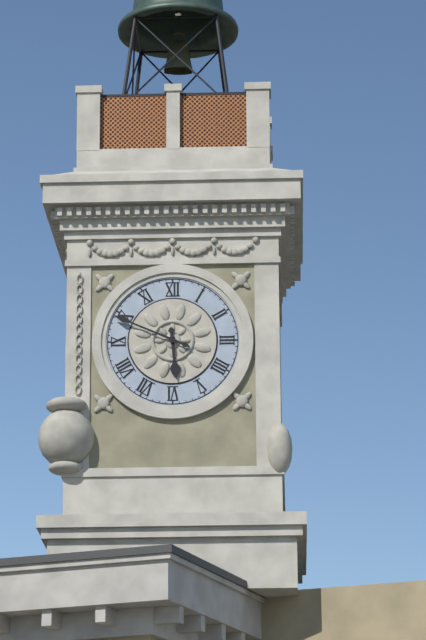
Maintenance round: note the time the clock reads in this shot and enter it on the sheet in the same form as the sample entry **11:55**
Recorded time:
**5:49**
